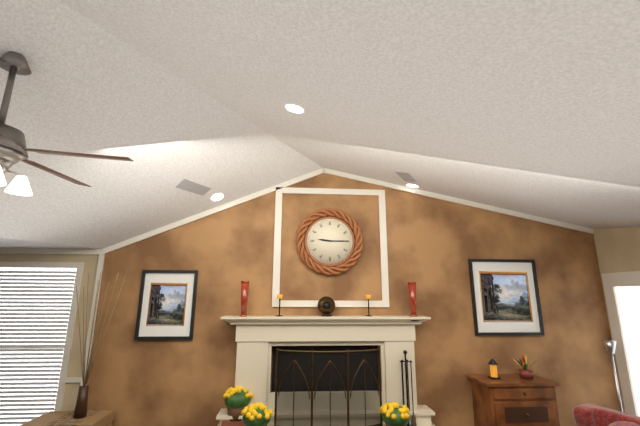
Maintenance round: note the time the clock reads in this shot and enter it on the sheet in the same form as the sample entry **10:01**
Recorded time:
**9:15**
